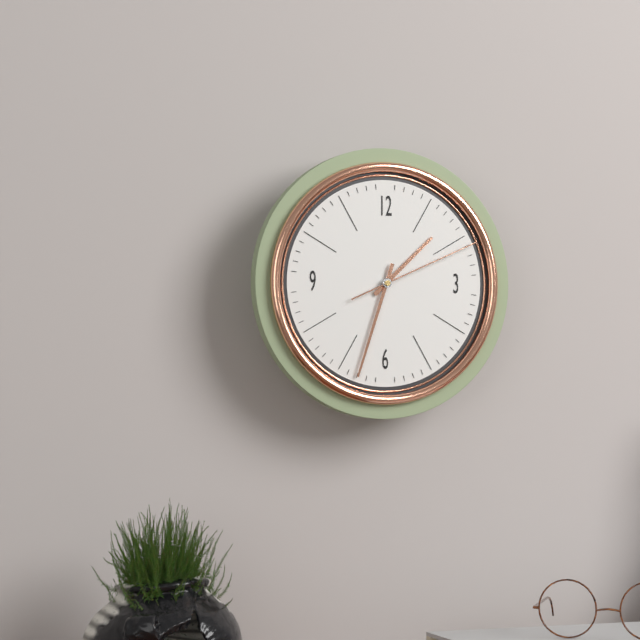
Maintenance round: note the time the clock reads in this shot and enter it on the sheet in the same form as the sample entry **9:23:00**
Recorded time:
**1:33:11**
